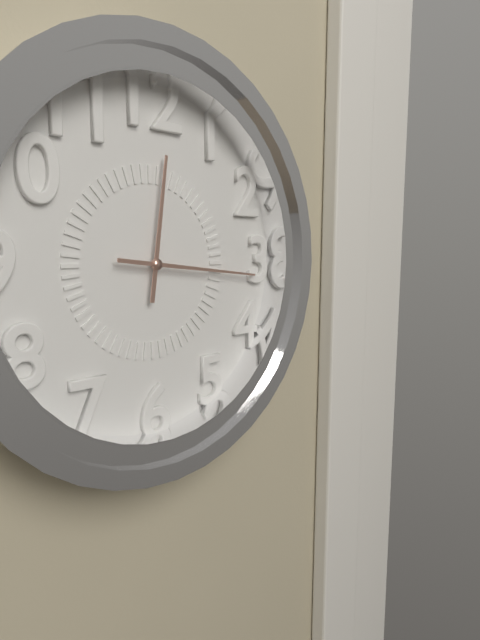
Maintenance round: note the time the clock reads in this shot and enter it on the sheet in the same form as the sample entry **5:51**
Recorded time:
**12:16**
